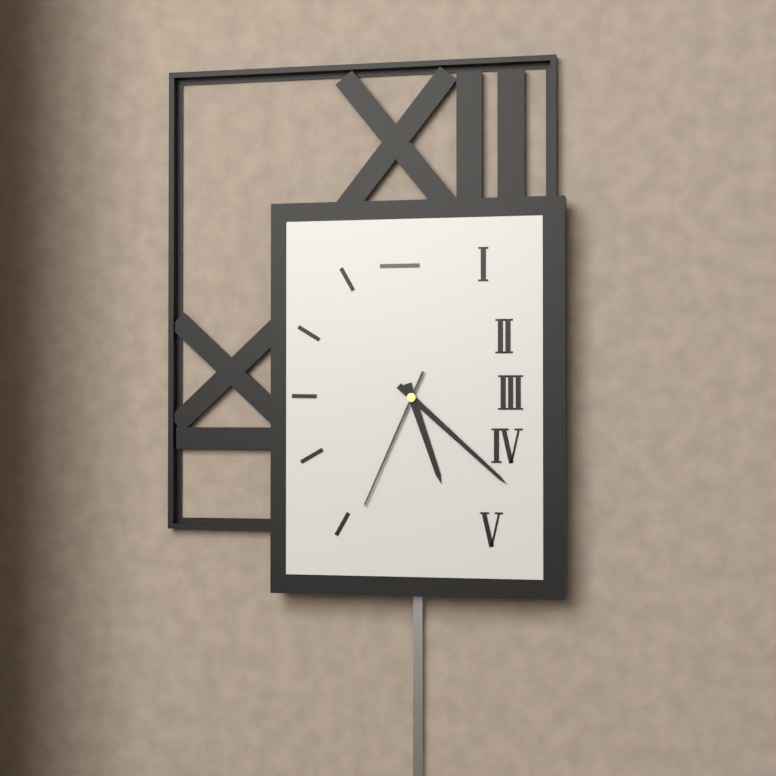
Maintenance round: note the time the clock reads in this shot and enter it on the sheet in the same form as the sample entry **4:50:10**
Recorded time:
**5:22:34**
